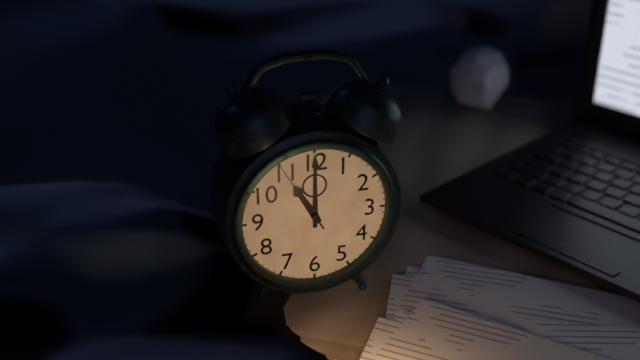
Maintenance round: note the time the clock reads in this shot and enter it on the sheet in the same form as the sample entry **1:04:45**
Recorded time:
**11:00:55**
